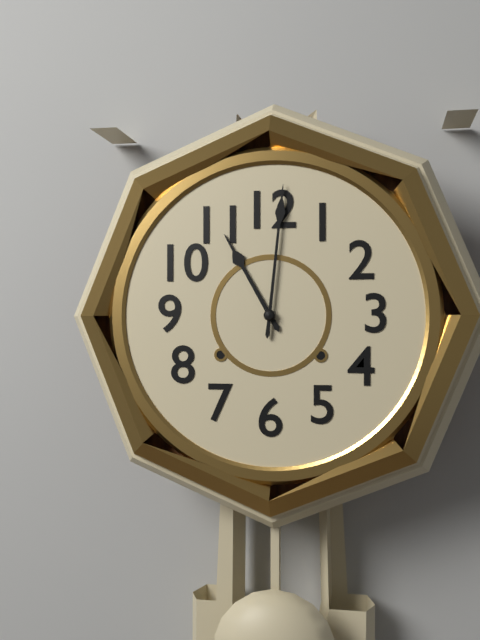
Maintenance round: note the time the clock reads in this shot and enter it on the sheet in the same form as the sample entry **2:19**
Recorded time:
**11:01**
